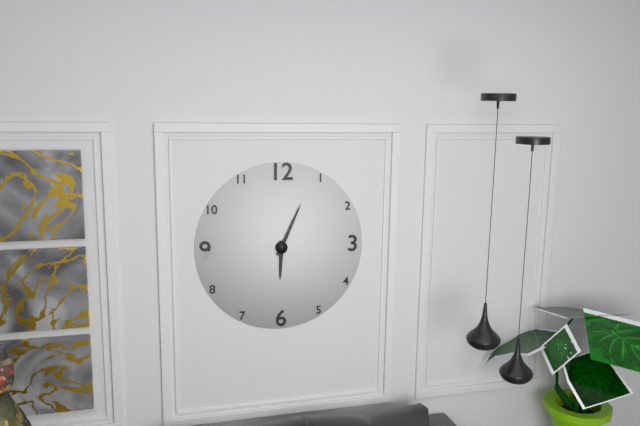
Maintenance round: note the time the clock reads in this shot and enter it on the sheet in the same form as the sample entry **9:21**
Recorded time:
**6:04**
